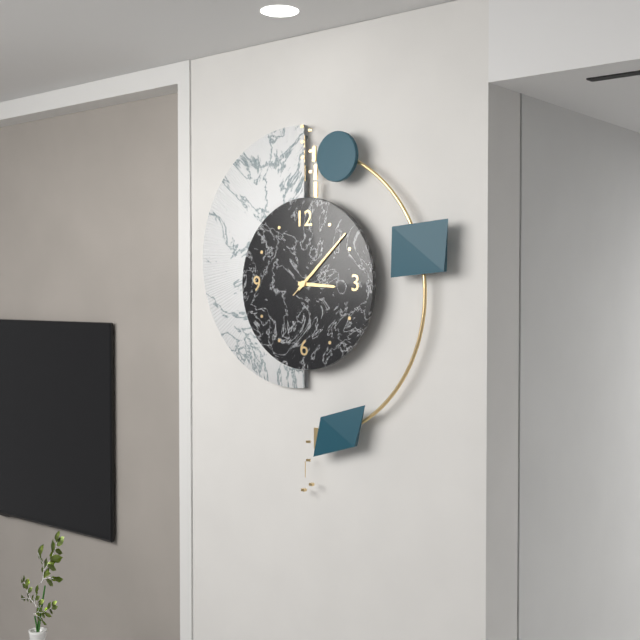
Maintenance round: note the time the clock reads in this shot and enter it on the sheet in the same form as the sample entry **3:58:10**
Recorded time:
**3:08:08**
